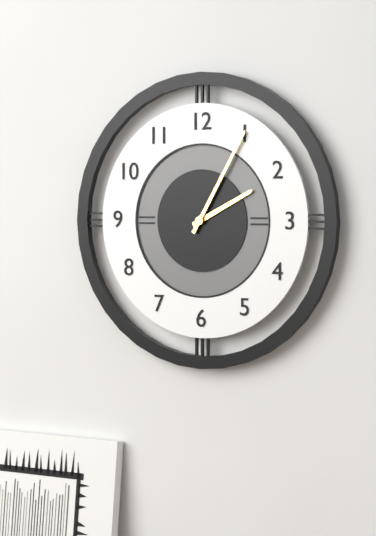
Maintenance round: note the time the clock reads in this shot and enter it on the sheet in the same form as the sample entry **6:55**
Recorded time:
**2:05**
